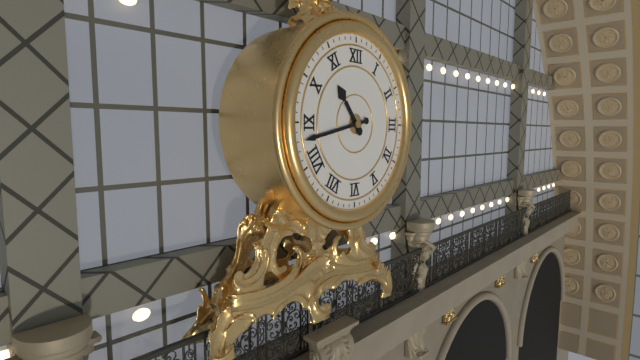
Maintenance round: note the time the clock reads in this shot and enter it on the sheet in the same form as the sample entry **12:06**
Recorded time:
**10:43**
